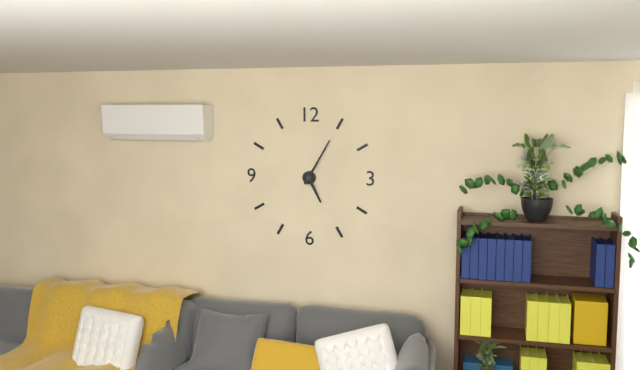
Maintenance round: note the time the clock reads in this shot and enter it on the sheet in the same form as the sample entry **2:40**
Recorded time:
**5:05**
